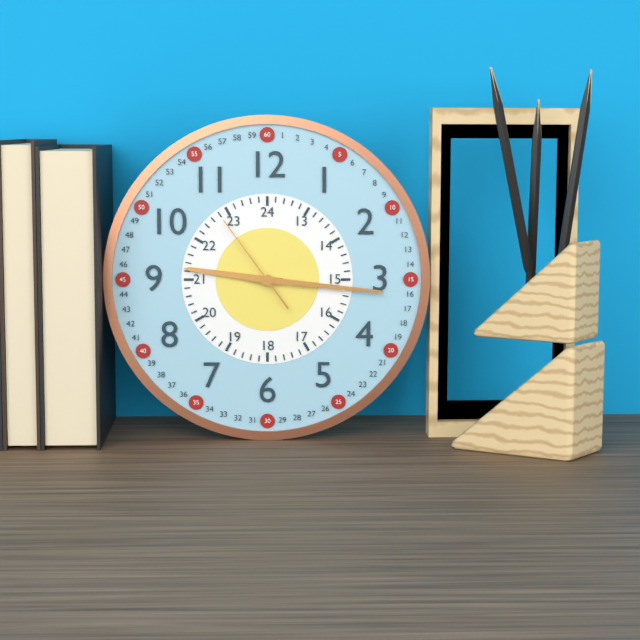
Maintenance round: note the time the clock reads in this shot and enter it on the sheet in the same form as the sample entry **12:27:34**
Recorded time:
**9:16:54**
